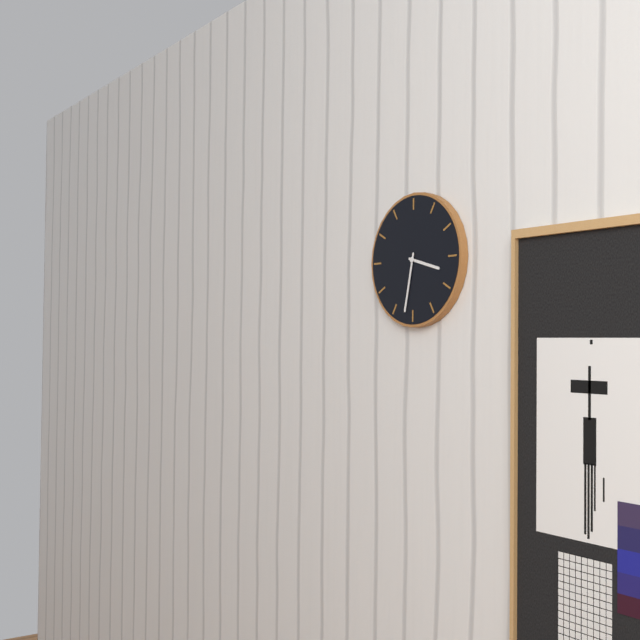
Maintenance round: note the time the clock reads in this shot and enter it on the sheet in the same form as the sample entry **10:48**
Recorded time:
**3:32**
